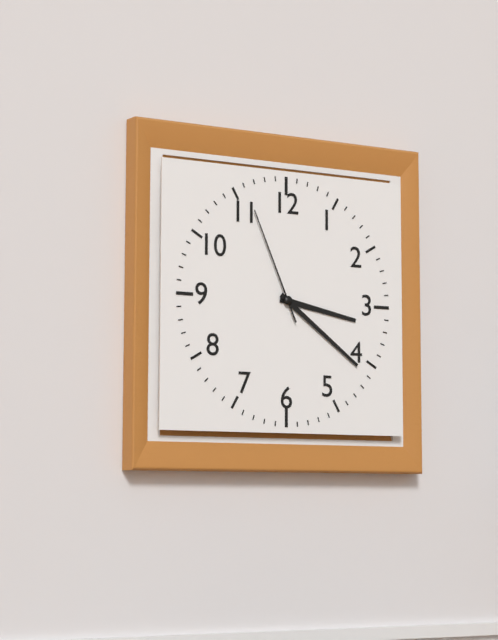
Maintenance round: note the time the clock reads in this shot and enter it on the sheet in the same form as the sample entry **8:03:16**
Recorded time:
**3:21:56**
